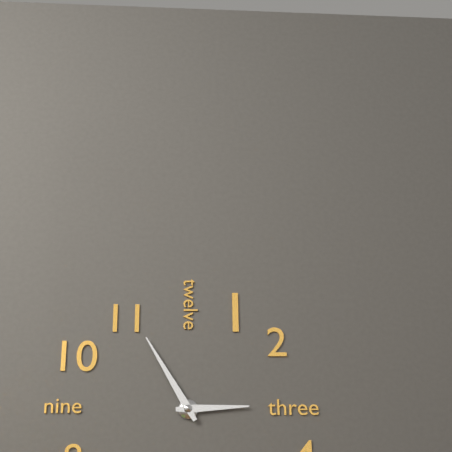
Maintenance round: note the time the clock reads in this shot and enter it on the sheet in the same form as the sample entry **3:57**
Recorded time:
**2:55**
